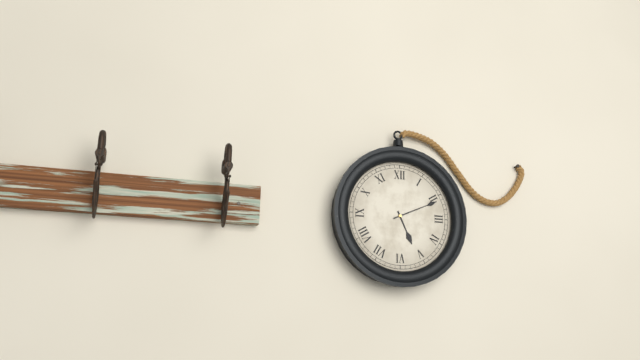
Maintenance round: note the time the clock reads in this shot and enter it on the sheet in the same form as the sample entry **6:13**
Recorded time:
**5:11**
